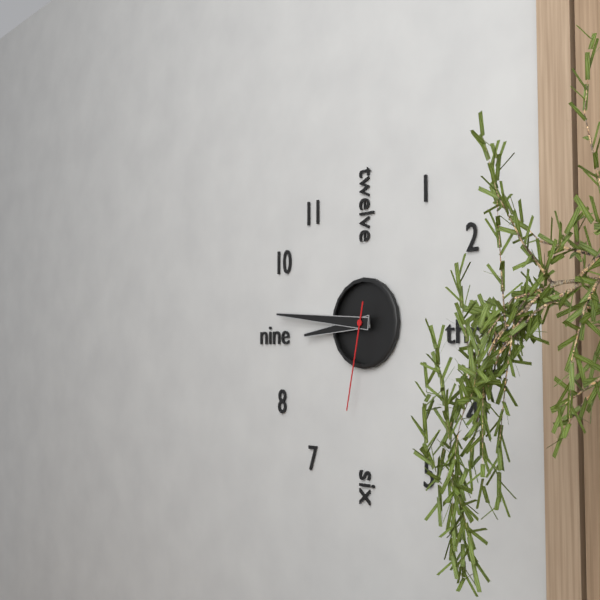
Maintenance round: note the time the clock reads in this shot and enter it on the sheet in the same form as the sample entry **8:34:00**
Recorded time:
**8:46:32**
